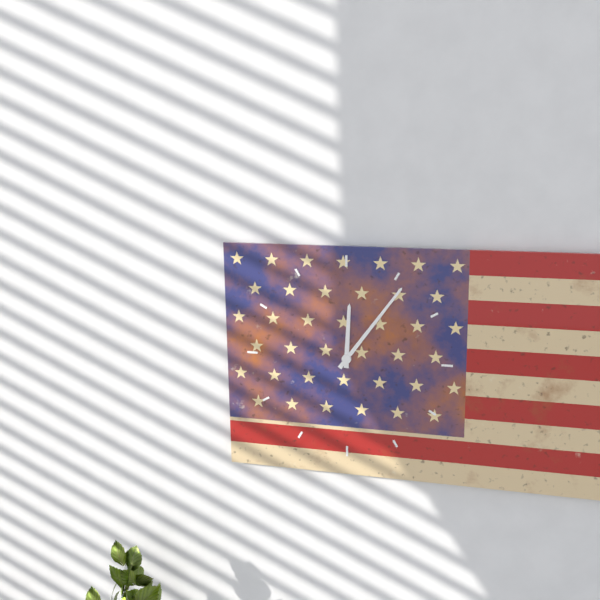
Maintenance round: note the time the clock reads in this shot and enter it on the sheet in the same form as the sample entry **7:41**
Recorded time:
**12:06**
